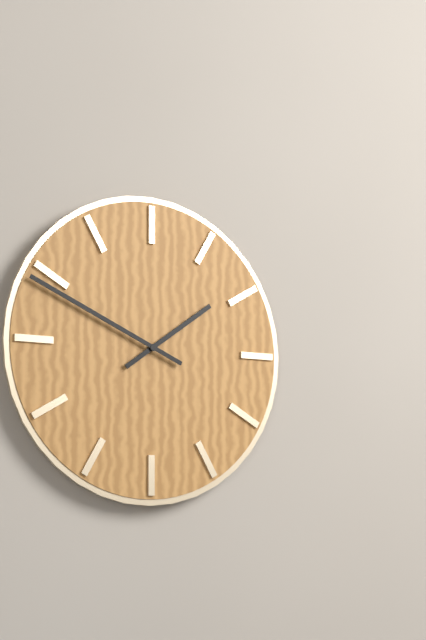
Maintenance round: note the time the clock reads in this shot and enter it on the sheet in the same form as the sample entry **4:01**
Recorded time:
**1:49**
